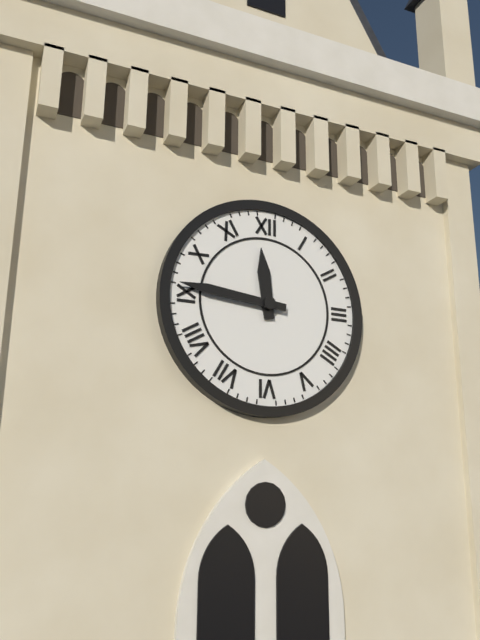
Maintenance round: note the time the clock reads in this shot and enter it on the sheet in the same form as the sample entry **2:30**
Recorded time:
**11:46**
